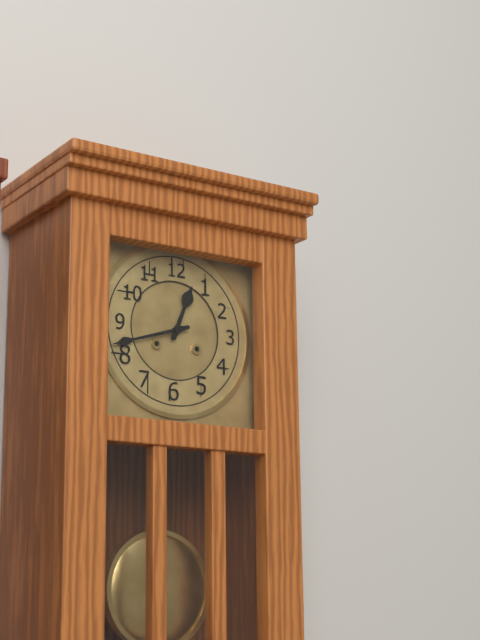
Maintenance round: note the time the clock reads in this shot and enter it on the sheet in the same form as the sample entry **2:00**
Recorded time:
**12:42**
